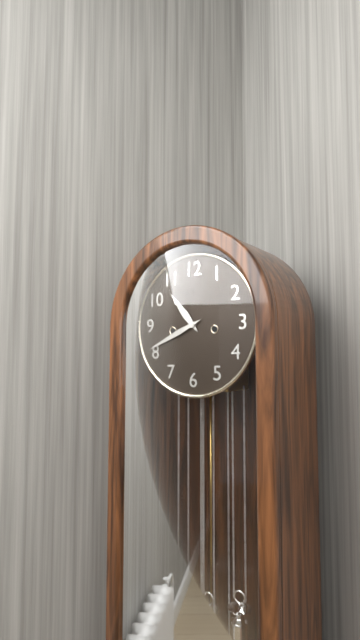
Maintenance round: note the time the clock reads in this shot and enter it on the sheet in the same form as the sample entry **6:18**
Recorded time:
**10:41**
